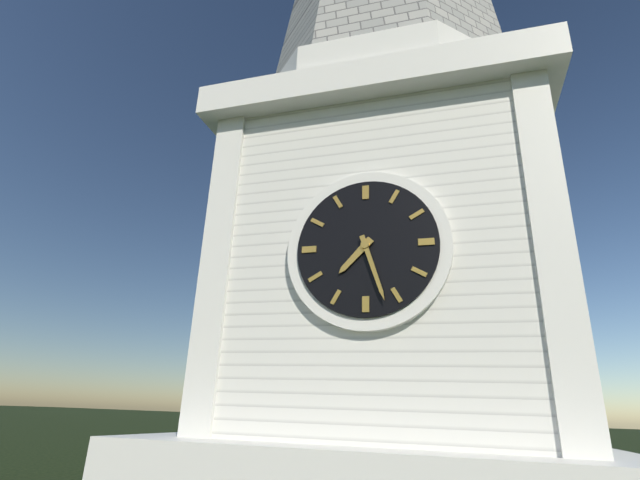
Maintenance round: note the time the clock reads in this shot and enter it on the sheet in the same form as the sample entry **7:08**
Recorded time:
**7:27**
